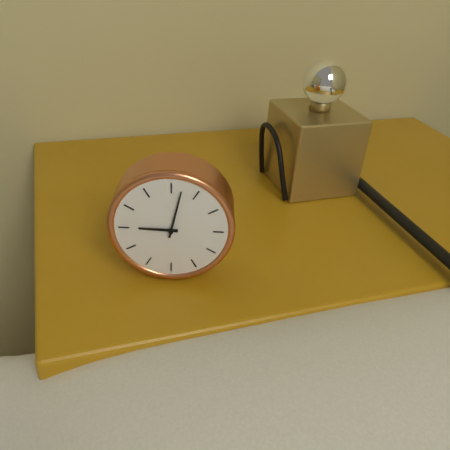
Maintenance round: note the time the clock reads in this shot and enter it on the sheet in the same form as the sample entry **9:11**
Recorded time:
**9:02**
